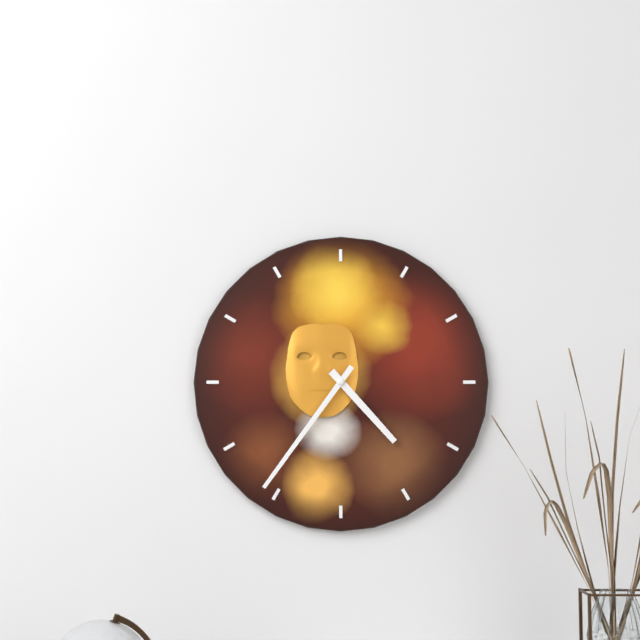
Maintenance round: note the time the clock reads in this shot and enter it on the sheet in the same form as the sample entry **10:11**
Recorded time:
**4:36**
